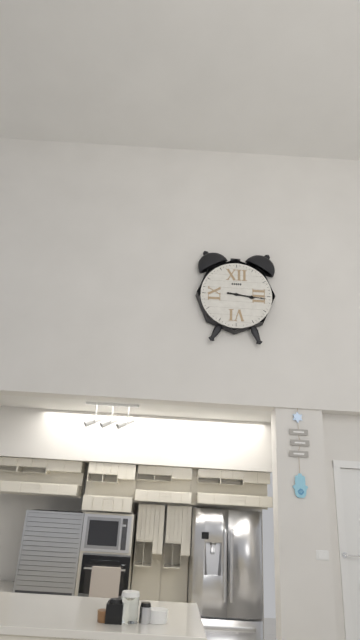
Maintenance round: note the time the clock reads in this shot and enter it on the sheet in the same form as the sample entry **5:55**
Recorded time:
**3:16**
